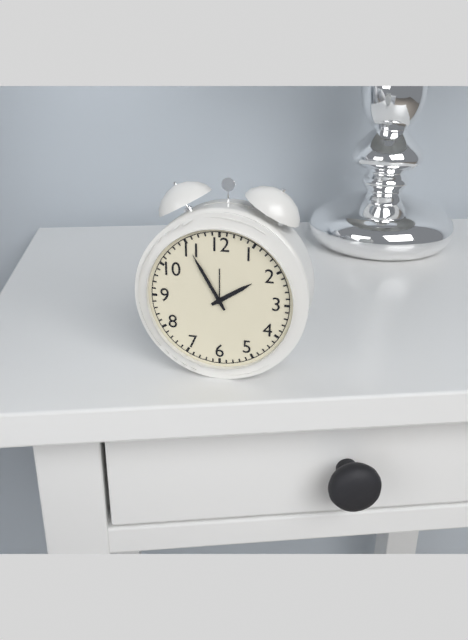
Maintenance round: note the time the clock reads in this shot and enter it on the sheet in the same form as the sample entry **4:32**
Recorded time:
**1:55**
